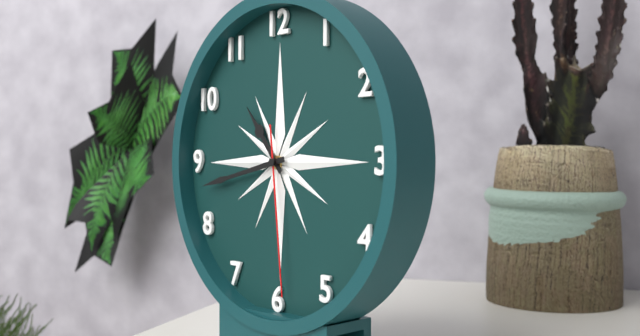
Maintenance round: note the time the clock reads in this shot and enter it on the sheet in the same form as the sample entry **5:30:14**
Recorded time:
**10:43:29**
